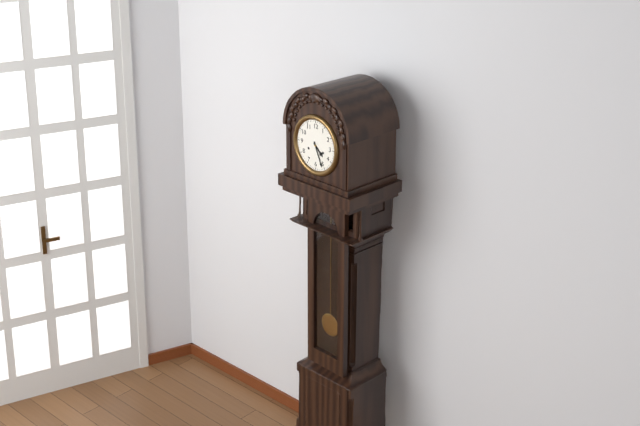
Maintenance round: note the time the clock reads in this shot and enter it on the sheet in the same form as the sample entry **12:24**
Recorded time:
**4:26**
